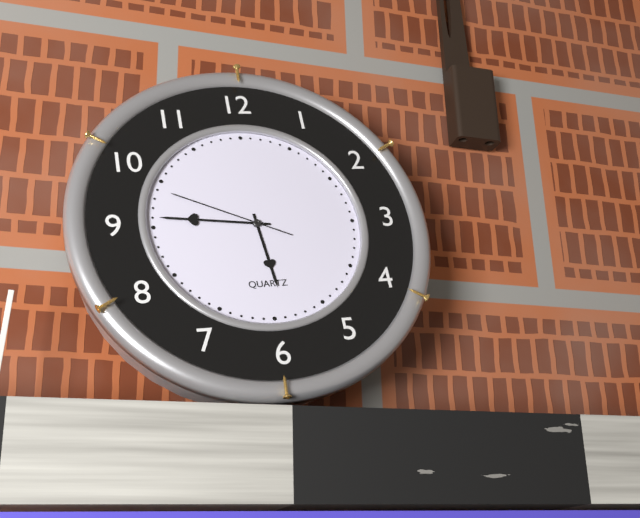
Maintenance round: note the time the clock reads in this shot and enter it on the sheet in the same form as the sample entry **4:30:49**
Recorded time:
**5:46:49**
